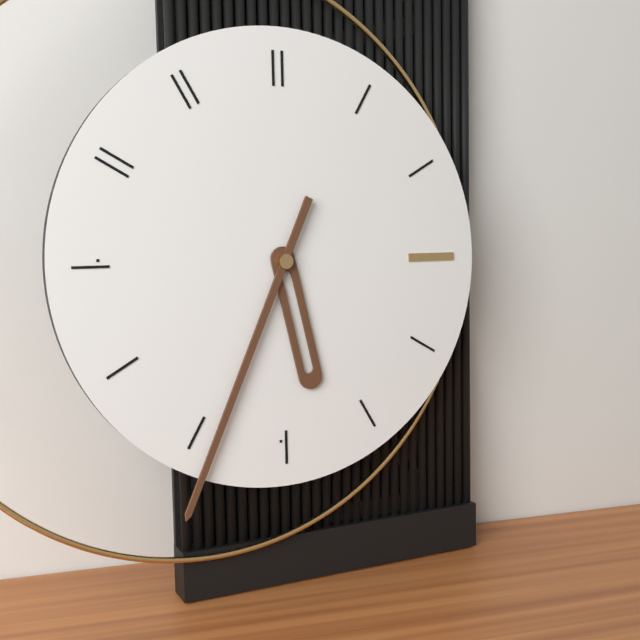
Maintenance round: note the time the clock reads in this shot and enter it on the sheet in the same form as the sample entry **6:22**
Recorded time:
**5:34**
